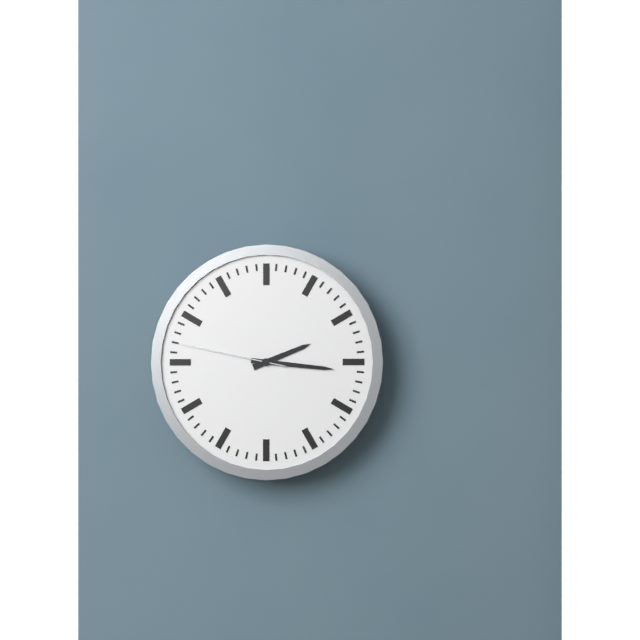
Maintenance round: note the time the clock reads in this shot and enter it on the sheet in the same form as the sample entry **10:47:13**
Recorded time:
**2:16:47**
